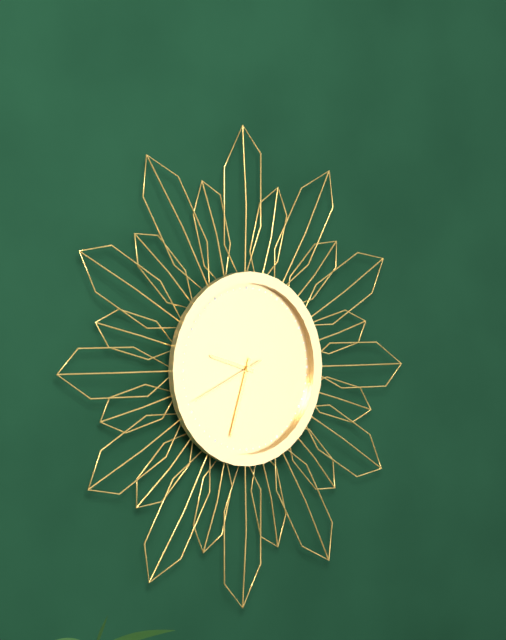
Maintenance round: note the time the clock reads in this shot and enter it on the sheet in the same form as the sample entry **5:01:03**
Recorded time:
**9:33:41**
